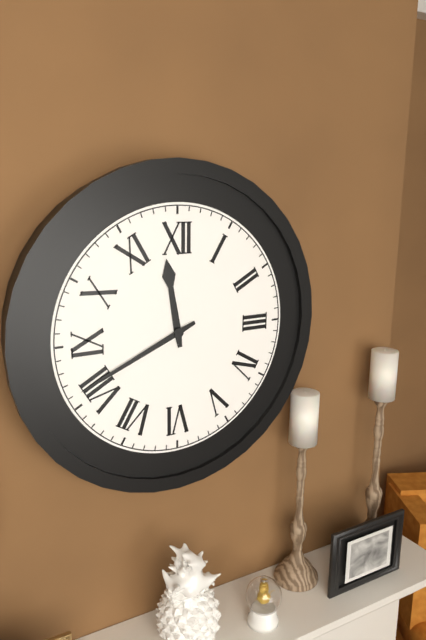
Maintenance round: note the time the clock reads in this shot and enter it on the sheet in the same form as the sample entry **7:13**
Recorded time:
**11:41**
